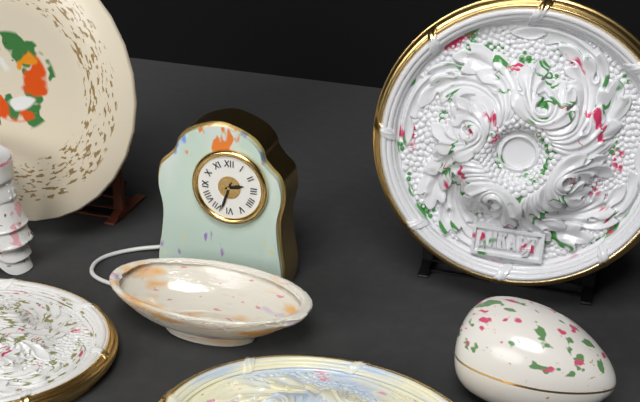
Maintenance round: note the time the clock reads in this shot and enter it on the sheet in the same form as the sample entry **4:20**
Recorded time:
**2:33**
